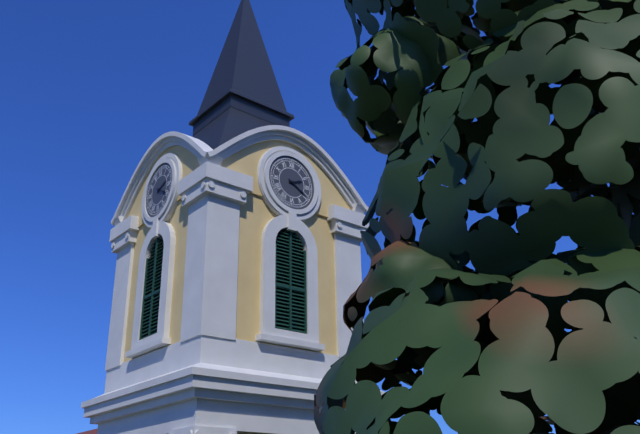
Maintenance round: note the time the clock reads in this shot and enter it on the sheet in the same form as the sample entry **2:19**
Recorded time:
**2:20**
